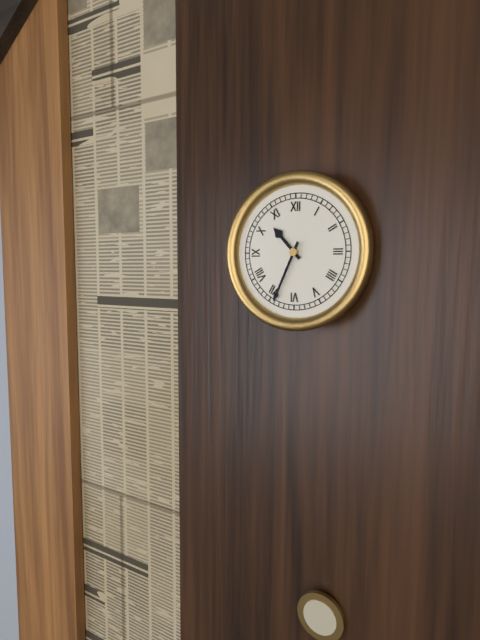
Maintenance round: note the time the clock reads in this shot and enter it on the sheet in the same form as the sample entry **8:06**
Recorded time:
**10:34**
